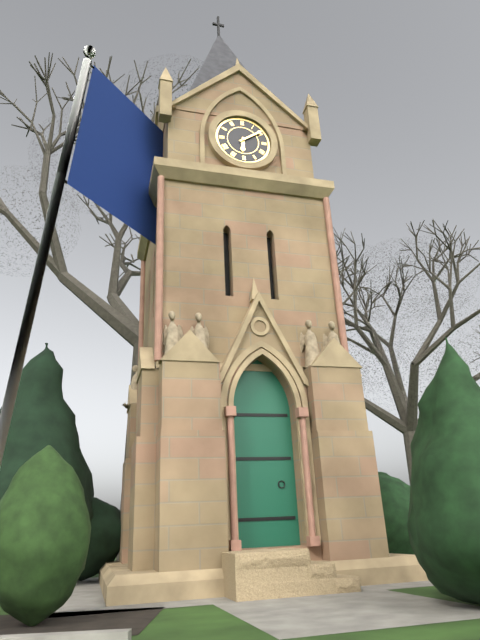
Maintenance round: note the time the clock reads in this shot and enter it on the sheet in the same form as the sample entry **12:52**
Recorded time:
**6:09**
